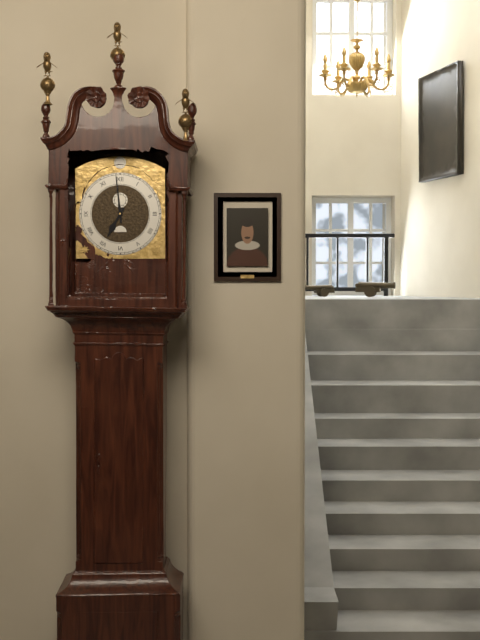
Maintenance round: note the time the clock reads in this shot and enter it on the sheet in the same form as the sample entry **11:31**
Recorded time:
**6:59**
